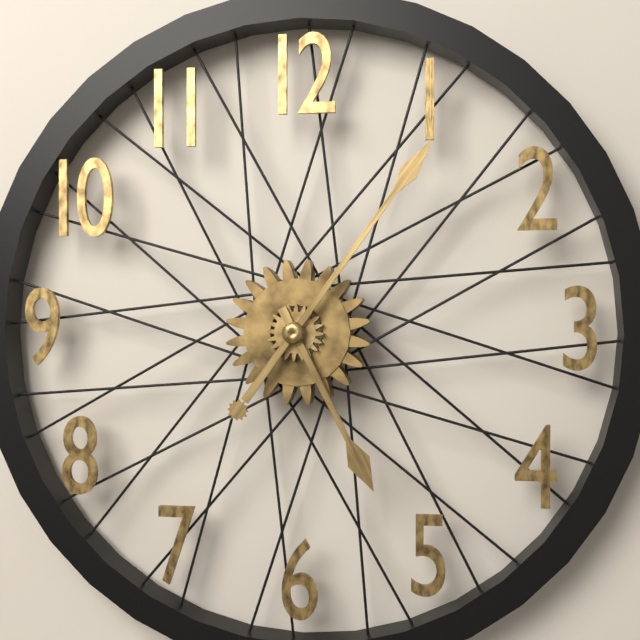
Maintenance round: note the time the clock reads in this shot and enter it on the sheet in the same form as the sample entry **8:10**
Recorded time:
**5:06**
